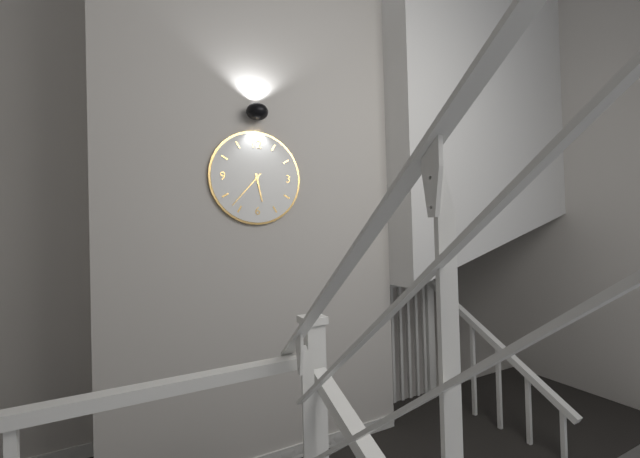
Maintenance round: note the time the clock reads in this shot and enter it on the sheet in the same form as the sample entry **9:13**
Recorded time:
**5:37**
